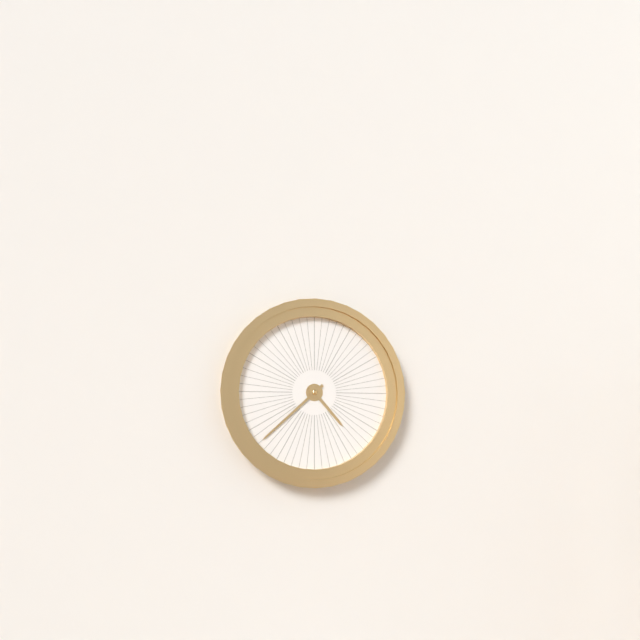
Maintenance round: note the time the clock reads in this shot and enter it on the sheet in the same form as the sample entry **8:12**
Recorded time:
**4:38**
